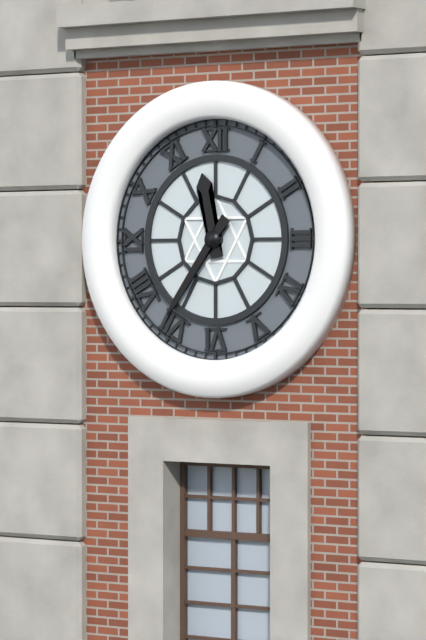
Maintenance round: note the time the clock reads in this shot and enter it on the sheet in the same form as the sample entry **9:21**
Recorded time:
**11:36**
